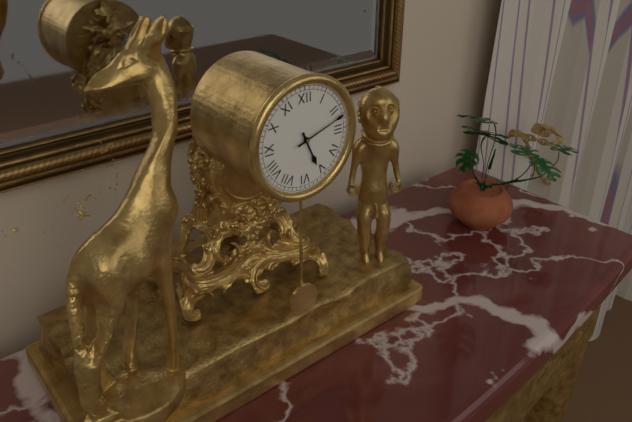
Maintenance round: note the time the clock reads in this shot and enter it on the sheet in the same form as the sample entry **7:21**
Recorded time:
**5:12**
